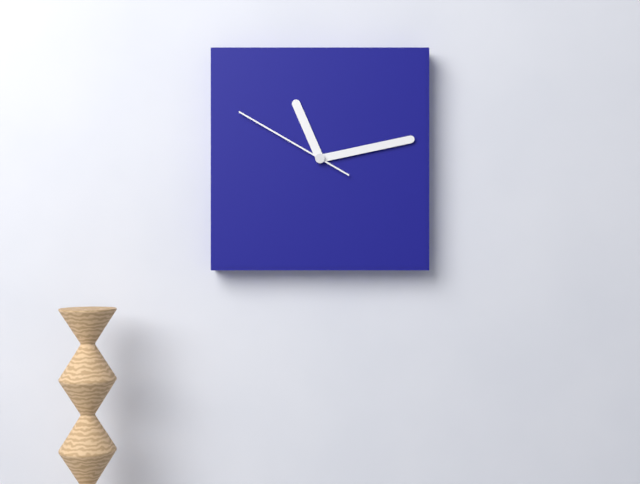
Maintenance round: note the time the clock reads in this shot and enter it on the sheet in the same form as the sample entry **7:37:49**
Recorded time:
**11:13:50**
